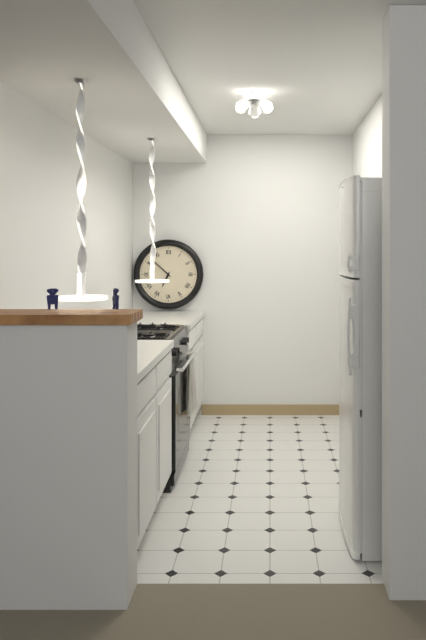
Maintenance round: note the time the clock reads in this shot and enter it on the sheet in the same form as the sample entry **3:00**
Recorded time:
**6:52**
